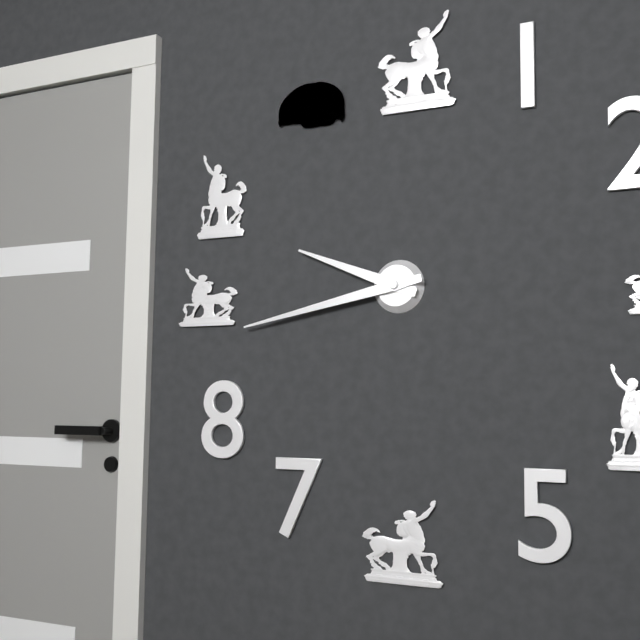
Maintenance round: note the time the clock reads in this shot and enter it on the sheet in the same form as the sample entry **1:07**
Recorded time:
**9:43**
